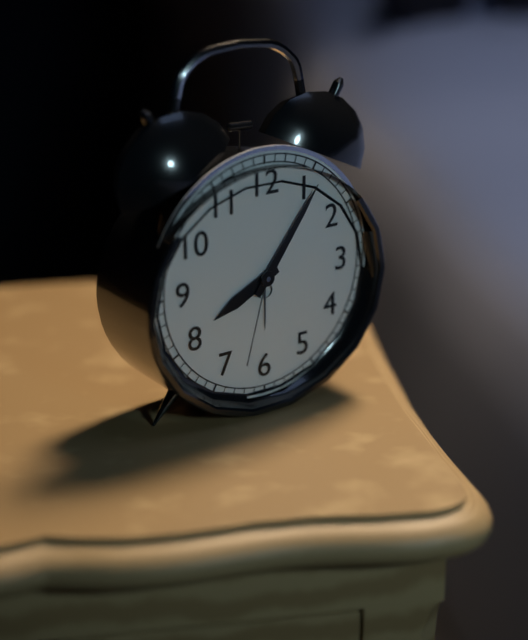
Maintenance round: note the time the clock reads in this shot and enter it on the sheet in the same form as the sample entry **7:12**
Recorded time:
**8:06**
